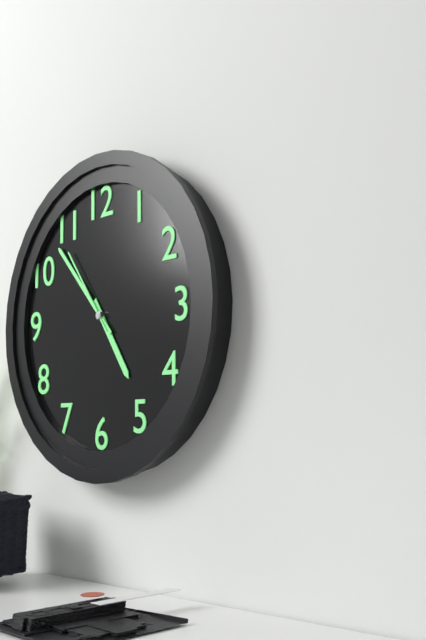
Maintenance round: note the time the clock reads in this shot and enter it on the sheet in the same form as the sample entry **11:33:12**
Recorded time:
**4:53:54**
